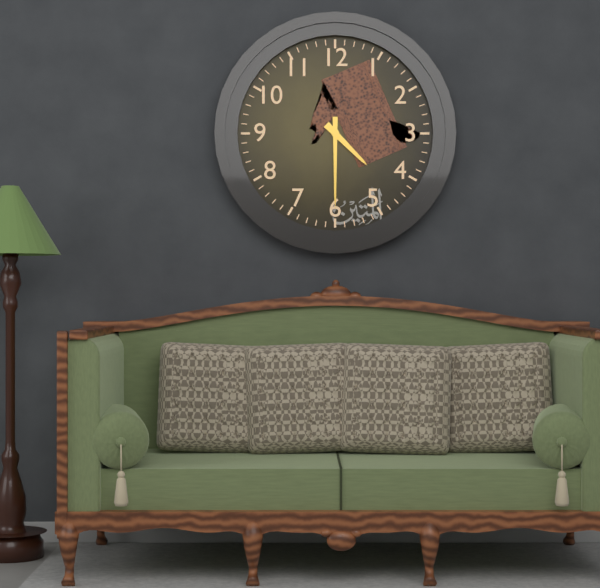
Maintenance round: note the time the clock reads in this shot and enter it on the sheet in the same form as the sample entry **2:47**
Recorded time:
**4:30**
